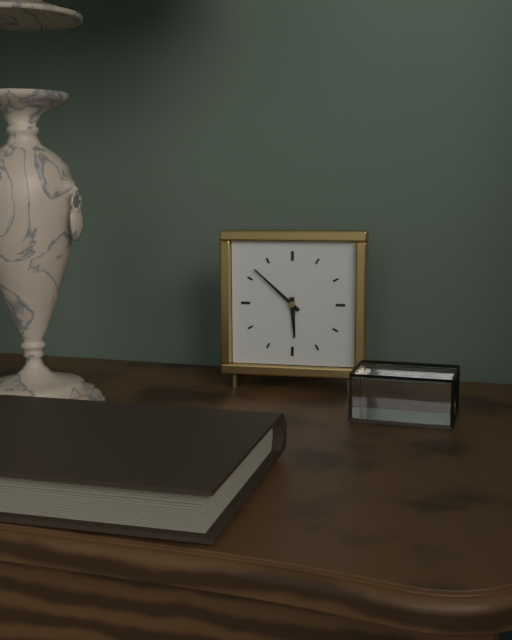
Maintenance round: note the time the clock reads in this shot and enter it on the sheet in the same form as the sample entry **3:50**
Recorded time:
**5:52**
